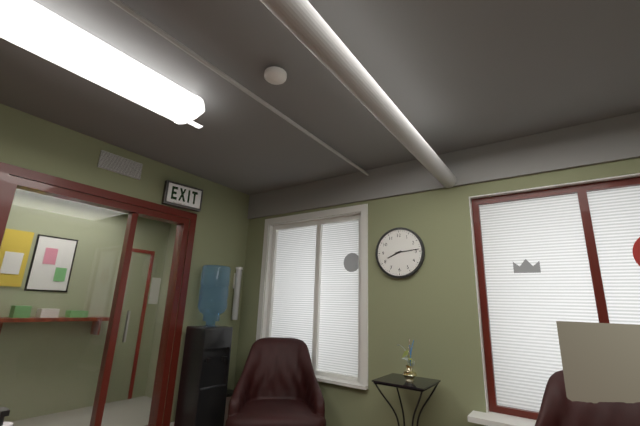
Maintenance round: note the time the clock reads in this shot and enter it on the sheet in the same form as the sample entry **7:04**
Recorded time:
**8:14**
